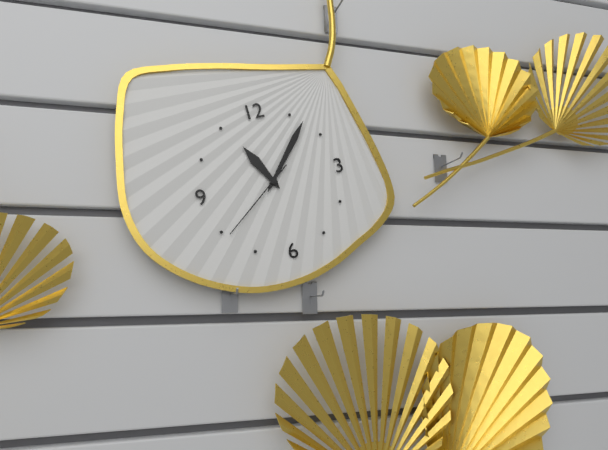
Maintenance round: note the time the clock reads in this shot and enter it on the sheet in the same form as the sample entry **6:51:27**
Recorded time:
**11:07:39**
